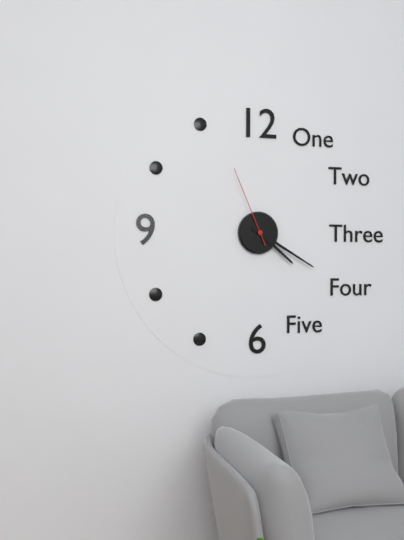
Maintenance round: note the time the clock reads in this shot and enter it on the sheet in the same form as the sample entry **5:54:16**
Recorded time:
**4:20:56**
